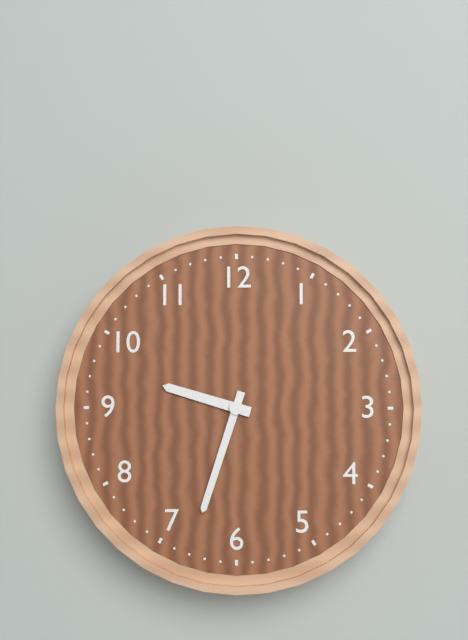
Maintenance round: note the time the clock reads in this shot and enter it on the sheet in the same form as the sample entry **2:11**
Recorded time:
**9:33**
